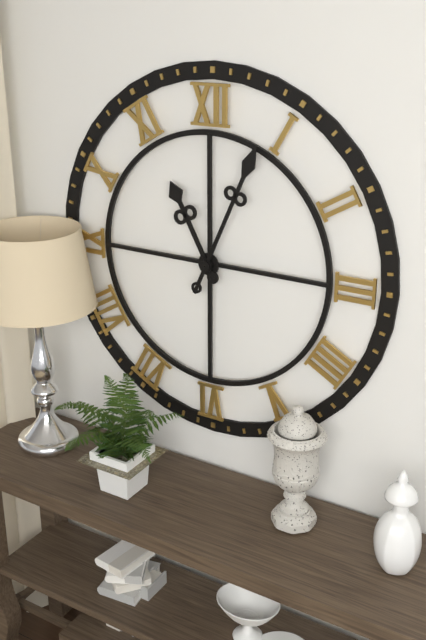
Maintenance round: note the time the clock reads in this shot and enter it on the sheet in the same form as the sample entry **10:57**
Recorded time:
**11:04**
